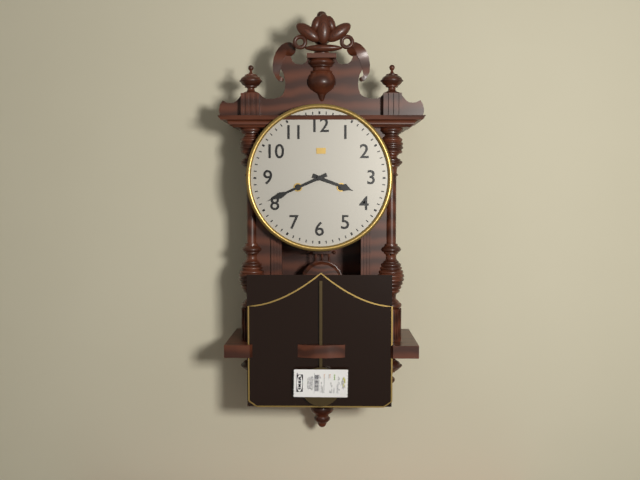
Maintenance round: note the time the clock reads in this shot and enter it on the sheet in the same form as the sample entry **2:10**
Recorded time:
**3:41**
